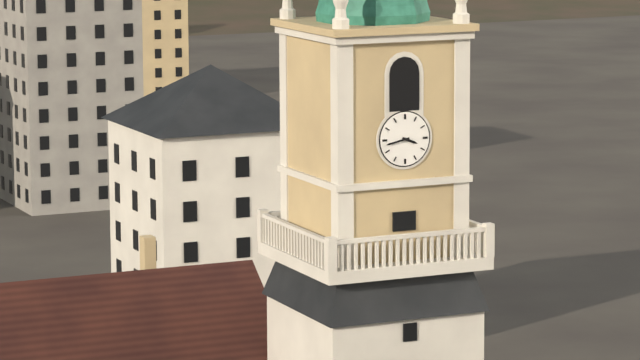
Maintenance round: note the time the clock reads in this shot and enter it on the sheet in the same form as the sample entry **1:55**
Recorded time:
**3:43**
